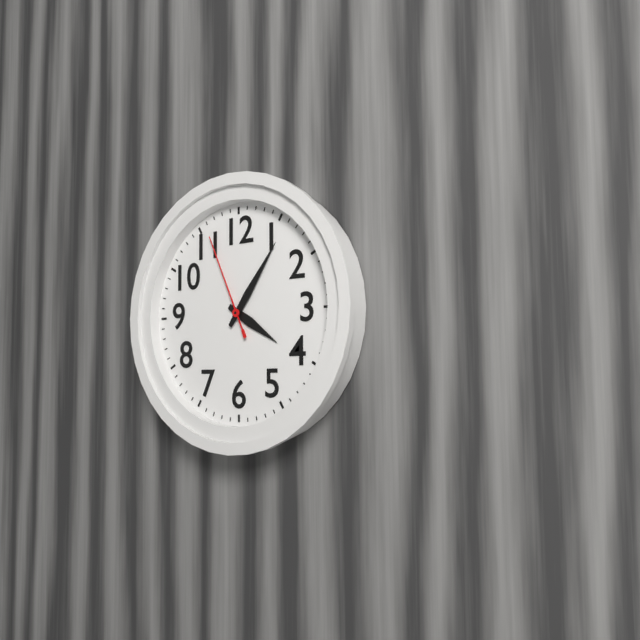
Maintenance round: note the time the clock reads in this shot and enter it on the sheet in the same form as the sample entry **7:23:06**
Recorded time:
**4:06:56**
